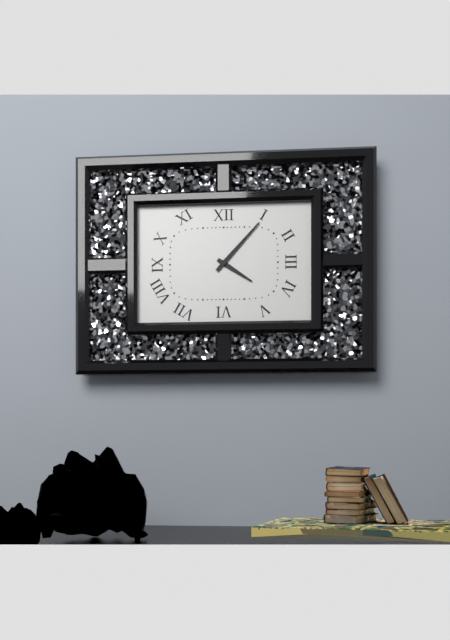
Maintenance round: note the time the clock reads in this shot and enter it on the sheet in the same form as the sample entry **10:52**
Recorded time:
**4:07**
